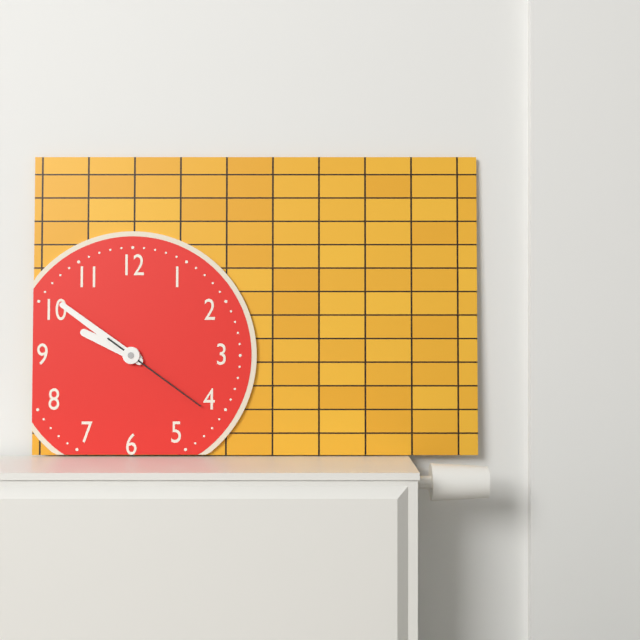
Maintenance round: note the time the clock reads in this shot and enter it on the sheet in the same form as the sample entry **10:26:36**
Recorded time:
**9:51:21**
